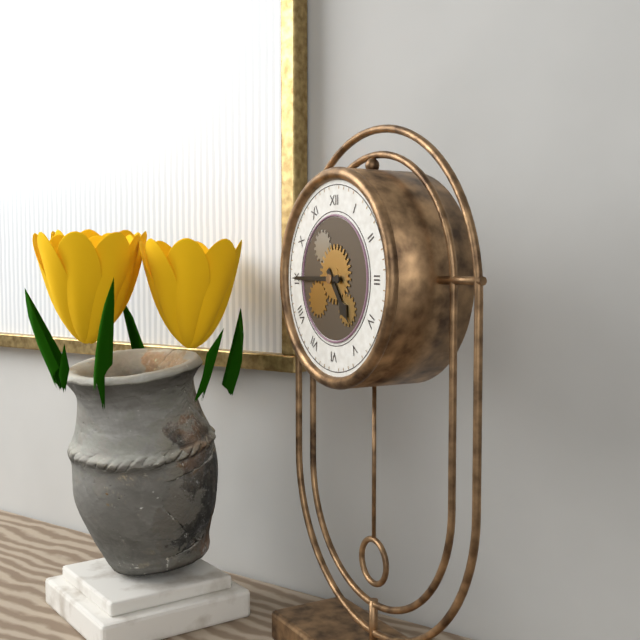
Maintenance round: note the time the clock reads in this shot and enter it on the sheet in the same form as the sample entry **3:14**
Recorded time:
**4:45**
